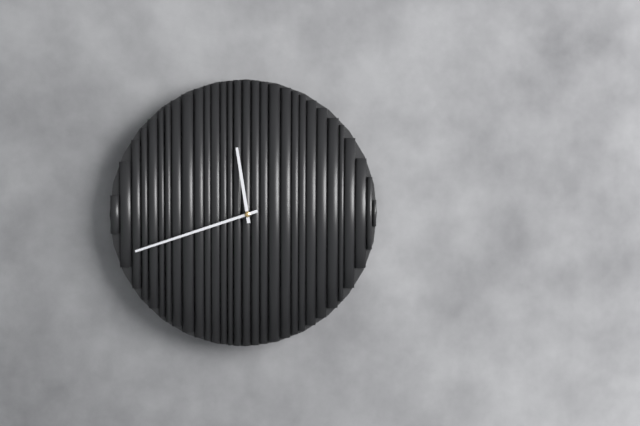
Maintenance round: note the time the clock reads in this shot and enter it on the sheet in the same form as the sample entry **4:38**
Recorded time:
**11:42**
